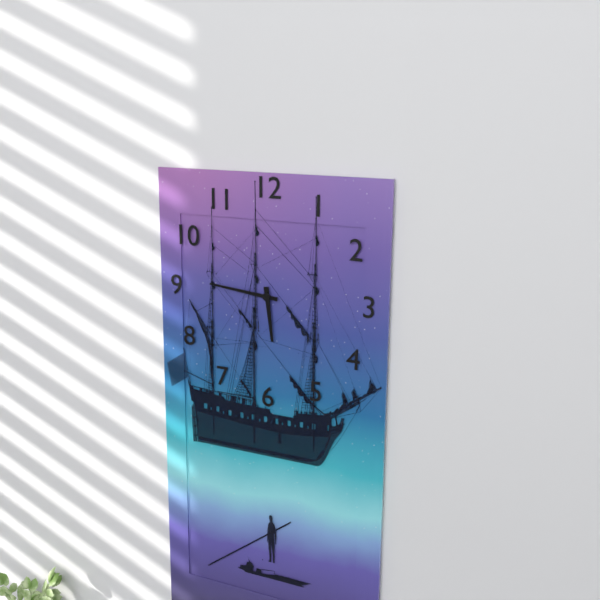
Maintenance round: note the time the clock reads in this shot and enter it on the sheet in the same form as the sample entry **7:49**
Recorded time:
**5:46**
